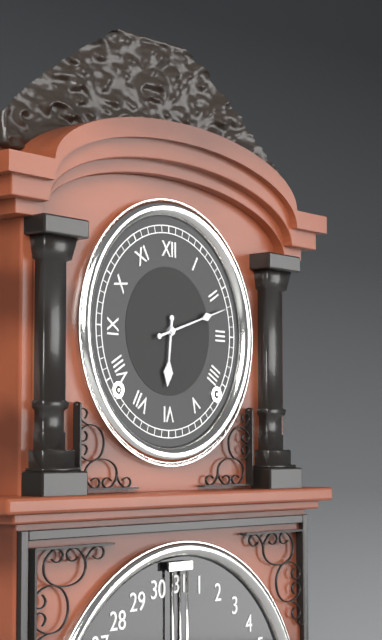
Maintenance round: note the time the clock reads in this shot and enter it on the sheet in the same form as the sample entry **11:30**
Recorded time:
**6:12**
